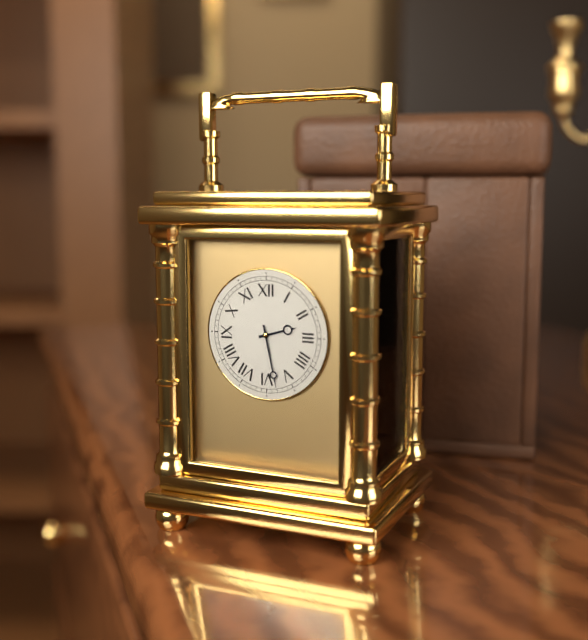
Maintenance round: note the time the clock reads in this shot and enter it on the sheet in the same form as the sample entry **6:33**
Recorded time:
**2:28**
